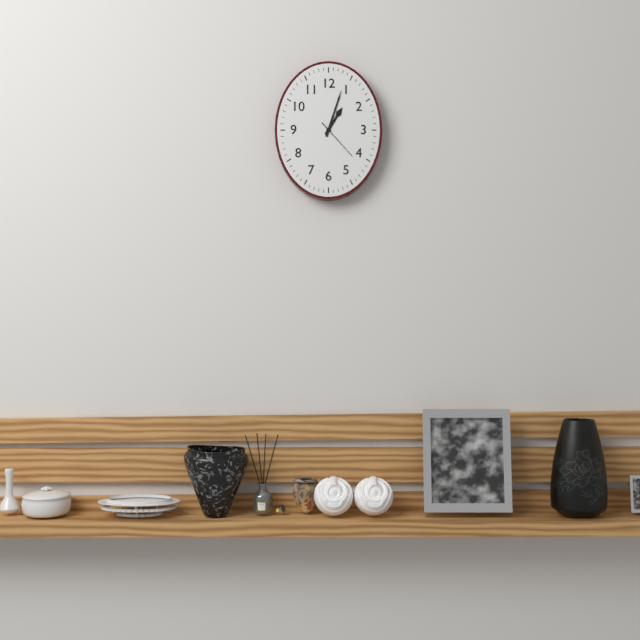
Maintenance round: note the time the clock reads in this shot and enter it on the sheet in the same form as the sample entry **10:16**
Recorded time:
**1:03**
